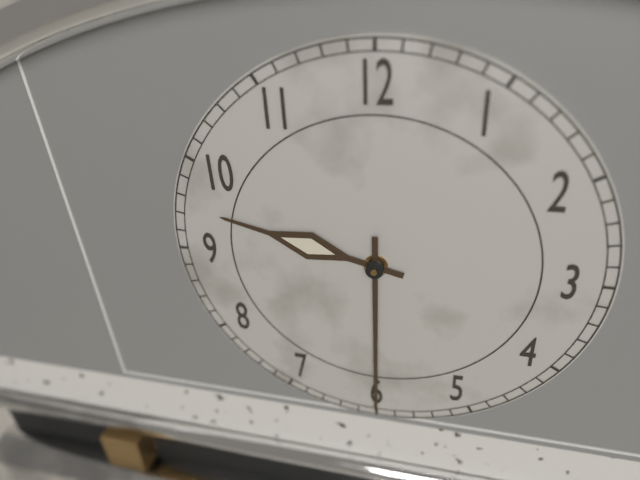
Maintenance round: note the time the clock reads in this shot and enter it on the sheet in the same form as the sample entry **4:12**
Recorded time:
**9:30**
